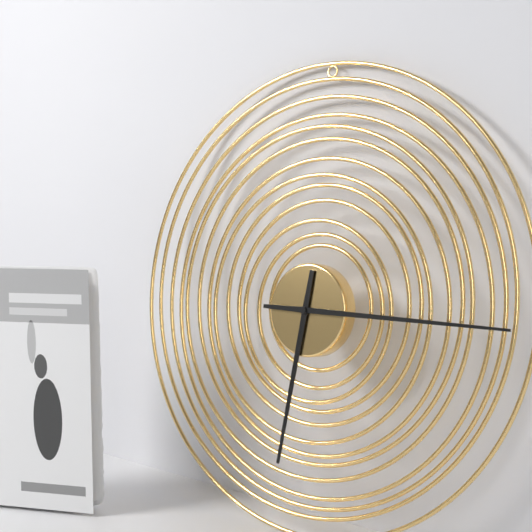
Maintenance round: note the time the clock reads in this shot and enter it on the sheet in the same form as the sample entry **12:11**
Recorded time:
**6:15**
